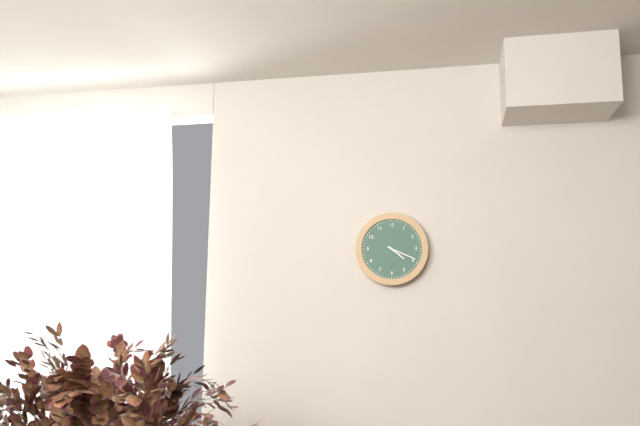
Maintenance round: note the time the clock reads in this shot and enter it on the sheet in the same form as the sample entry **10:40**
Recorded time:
**4:19**
